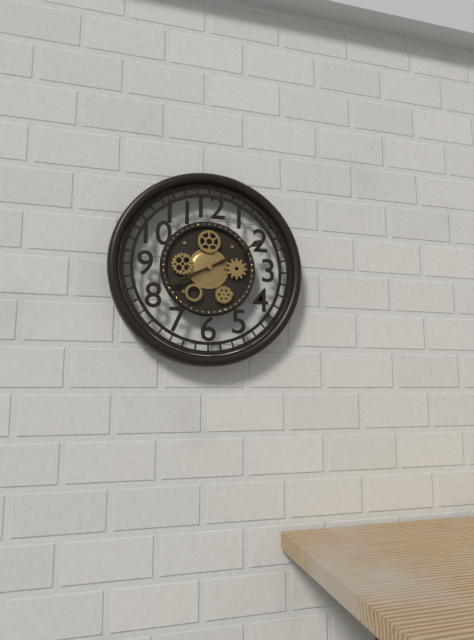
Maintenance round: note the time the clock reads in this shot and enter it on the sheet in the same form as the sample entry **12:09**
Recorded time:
**8:10**
